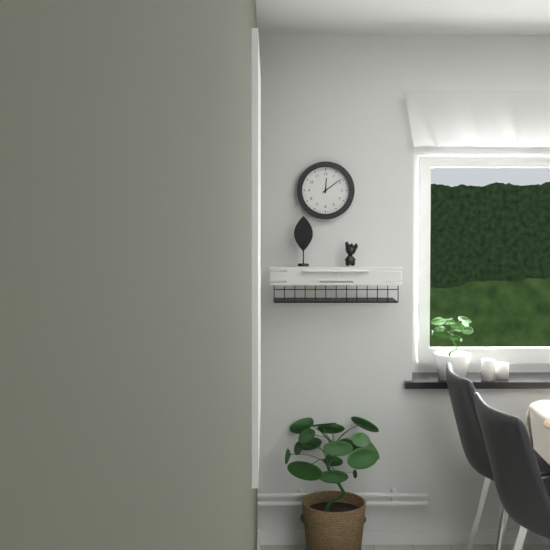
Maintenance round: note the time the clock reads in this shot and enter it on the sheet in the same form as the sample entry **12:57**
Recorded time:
**12:09**
